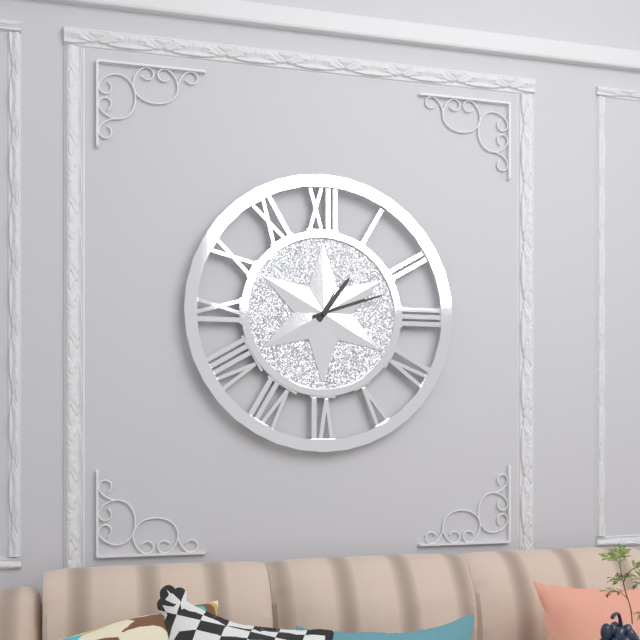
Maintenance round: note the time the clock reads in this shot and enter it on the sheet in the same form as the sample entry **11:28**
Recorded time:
**1:12**
